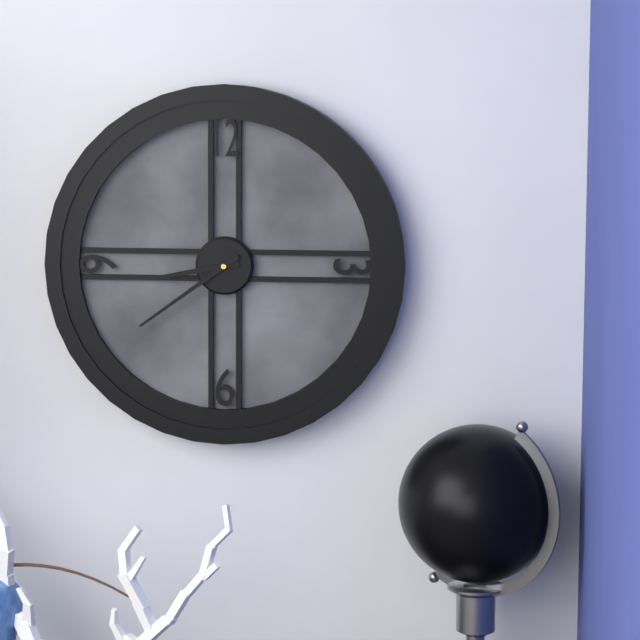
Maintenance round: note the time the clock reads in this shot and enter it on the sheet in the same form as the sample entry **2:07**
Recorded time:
**8:39**
